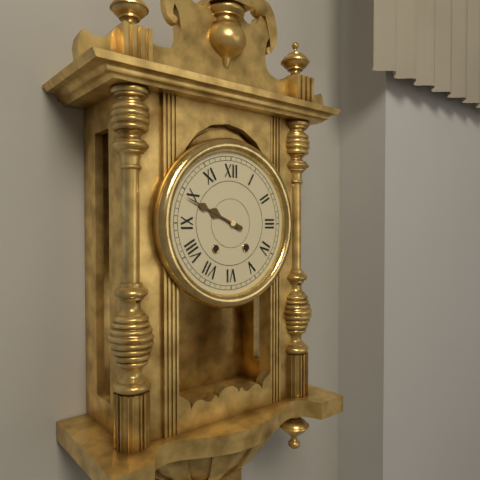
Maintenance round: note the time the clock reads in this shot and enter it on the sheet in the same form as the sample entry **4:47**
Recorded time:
**9:49**
